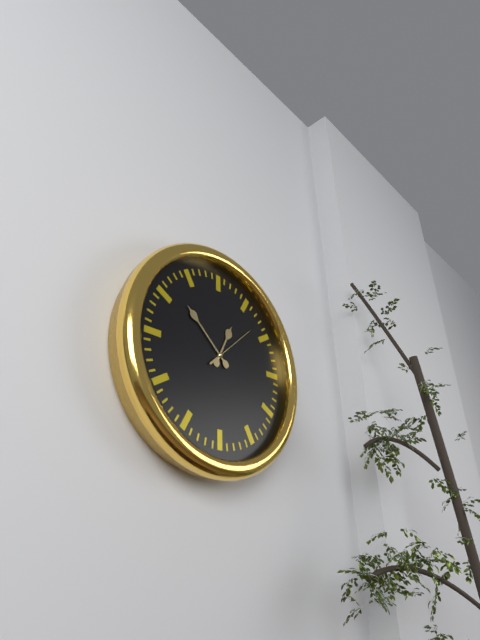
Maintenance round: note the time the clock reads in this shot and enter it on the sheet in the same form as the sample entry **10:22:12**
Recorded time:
**12:52:08**
